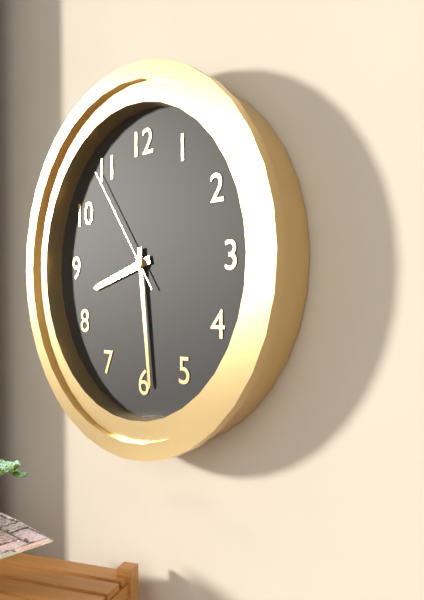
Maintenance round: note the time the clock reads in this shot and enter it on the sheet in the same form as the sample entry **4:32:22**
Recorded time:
**8:29:54**
